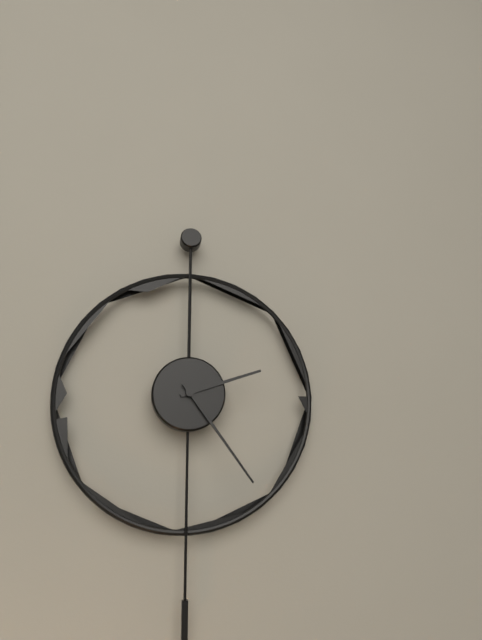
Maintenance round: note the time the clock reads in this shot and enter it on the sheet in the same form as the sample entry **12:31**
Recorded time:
**2:24**
